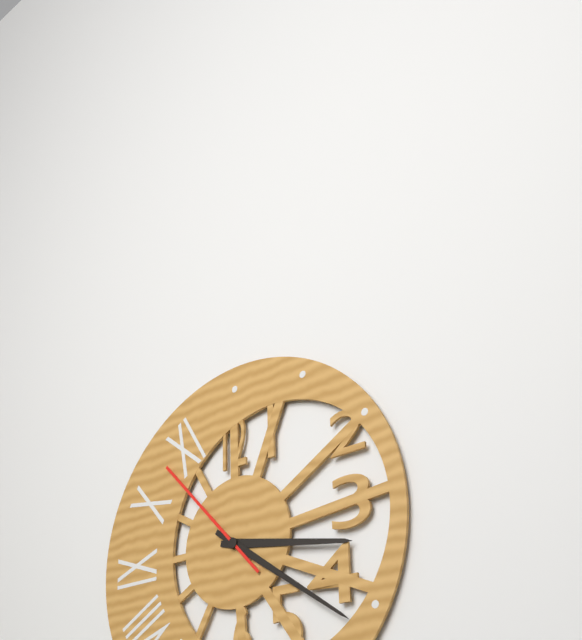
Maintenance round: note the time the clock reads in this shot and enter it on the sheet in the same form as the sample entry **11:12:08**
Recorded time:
**3:21:53**
